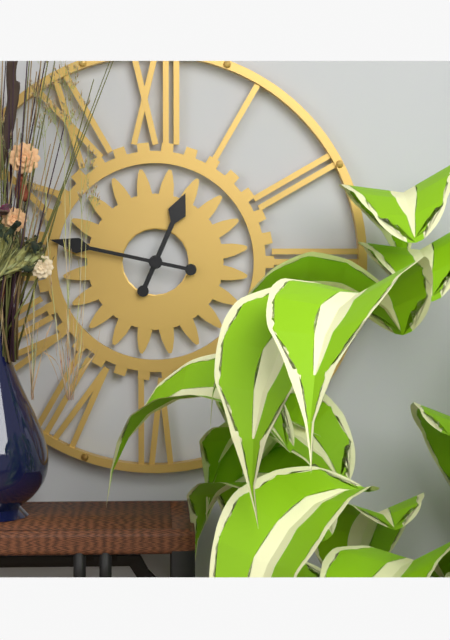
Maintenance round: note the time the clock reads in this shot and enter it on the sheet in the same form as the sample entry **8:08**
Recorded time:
**12:47**
